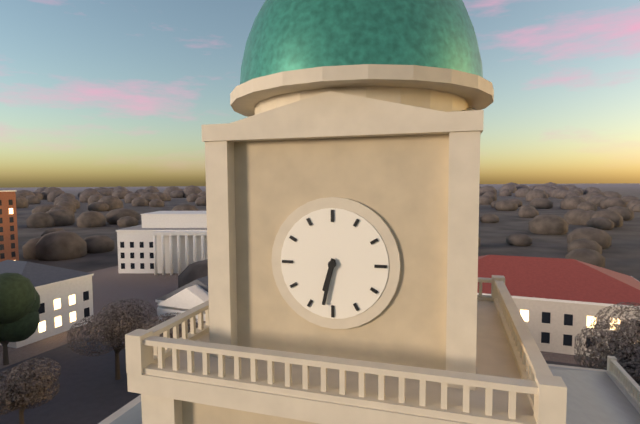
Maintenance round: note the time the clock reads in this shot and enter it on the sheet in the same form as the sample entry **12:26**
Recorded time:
**6:32**
